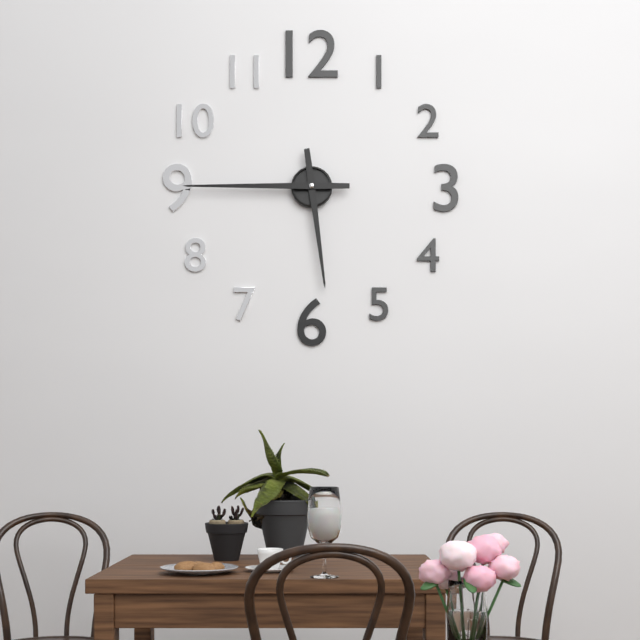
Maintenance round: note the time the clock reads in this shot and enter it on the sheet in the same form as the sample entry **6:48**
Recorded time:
**5:45**
